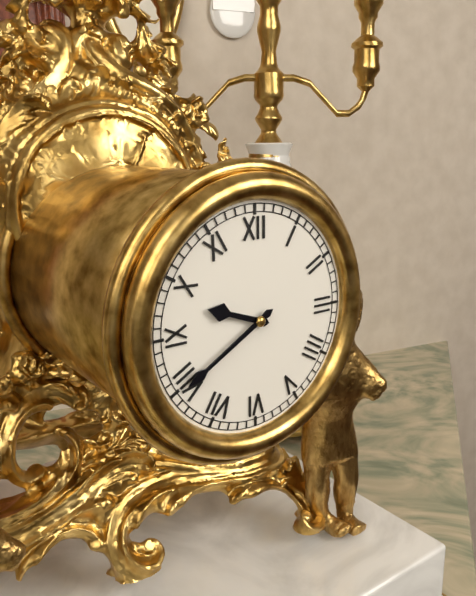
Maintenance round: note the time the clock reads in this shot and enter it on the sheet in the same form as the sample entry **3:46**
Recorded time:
**9:40**
